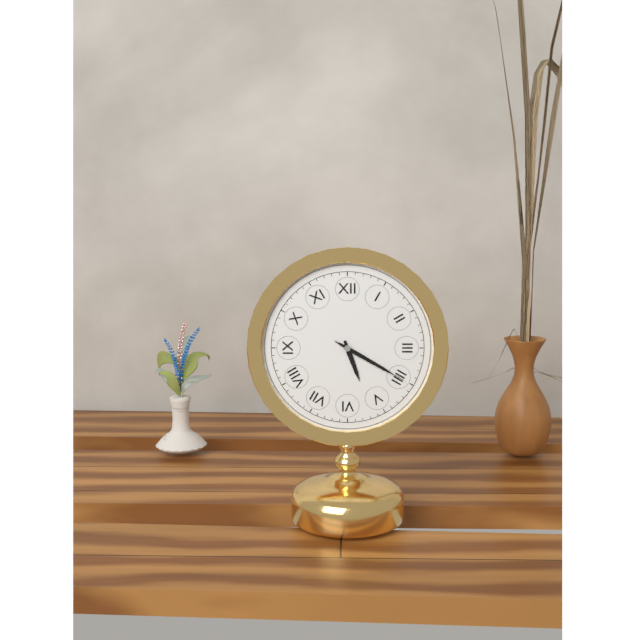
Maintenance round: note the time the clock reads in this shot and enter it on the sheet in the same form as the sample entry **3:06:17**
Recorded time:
**5:20:20**
